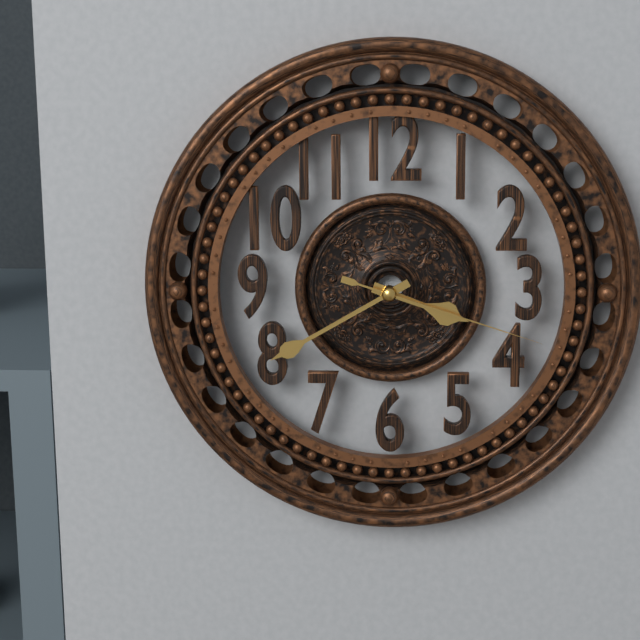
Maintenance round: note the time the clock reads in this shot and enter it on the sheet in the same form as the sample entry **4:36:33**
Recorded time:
**3:40:18**
